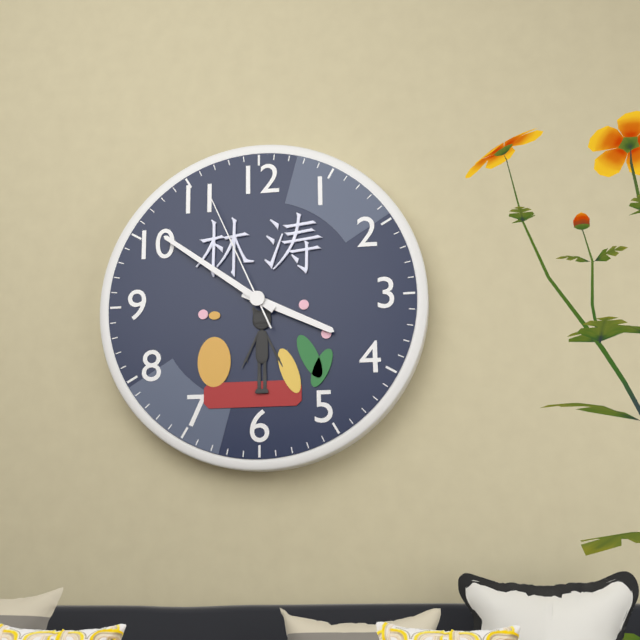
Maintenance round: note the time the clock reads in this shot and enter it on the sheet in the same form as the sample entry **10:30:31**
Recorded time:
**3:51:56**
